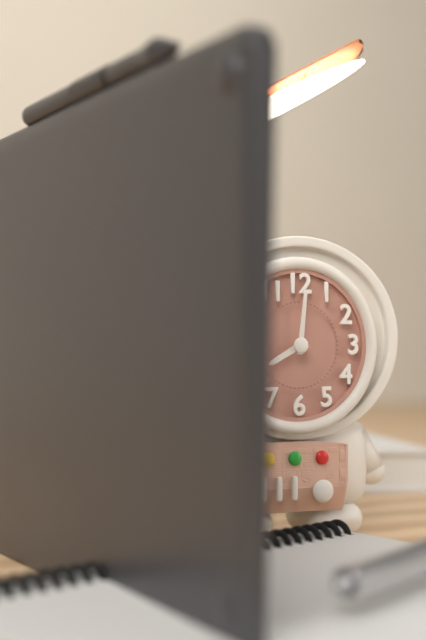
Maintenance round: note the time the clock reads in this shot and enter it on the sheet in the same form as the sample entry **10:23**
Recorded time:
**8:01**
